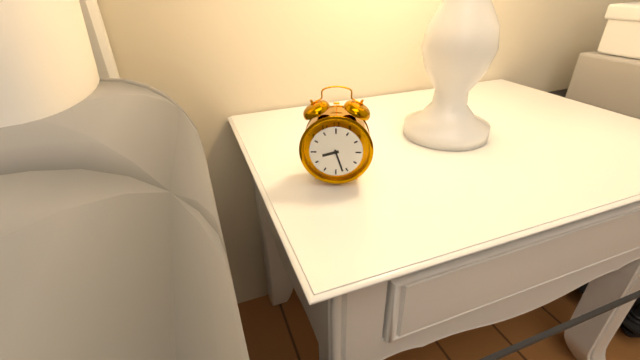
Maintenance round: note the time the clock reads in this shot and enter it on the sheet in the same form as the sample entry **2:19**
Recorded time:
**8:27**
